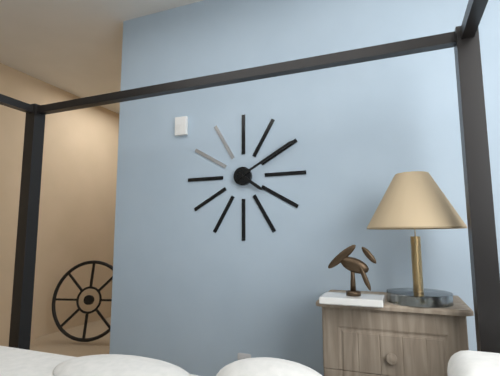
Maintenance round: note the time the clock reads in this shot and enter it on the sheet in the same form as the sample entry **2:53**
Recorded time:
**4:10**
